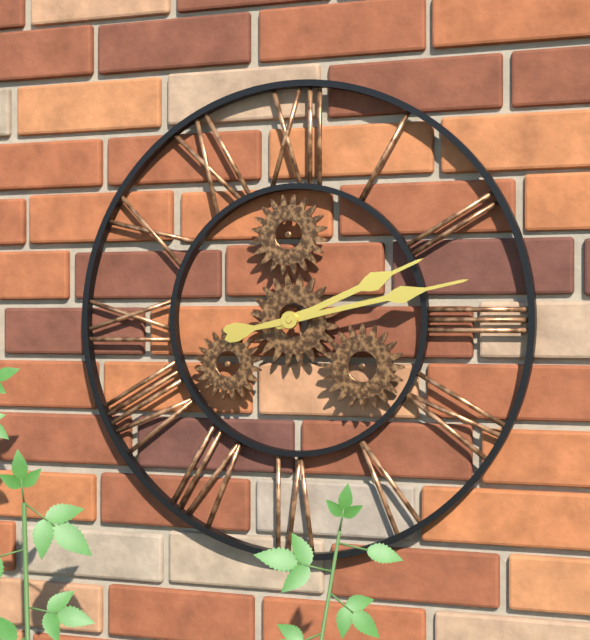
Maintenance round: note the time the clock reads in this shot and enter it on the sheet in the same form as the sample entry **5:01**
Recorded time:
**2:13**
